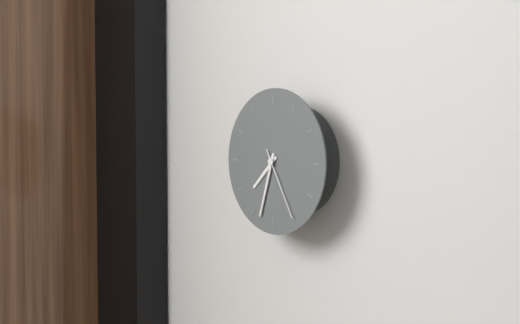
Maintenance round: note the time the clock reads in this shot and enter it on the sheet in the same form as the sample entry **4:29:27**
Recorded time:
**7:33:25**
